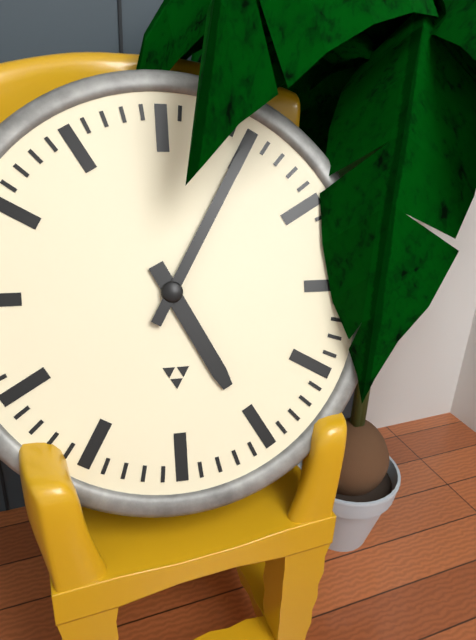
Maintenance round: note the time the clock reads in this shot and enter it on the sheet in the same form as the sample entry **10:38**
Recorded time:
**5:05**
